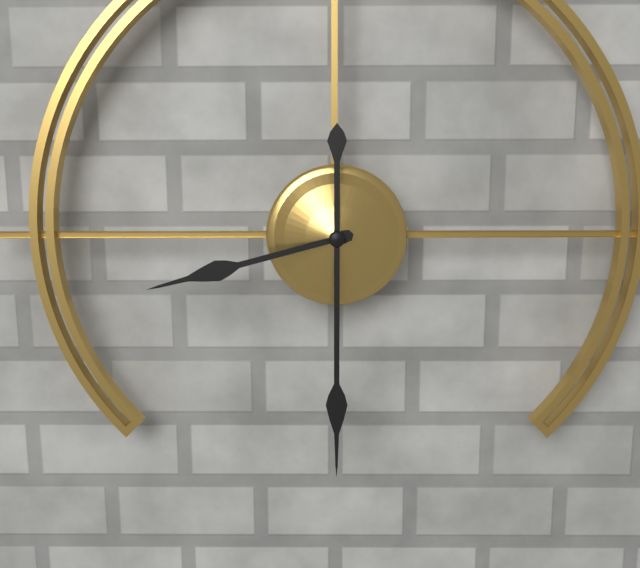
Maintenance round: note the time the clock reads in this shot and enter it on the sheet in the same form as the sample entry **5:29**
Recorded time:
**8:30**
